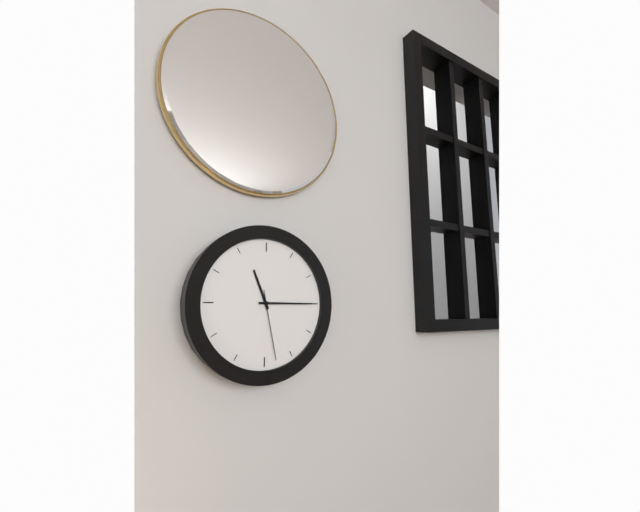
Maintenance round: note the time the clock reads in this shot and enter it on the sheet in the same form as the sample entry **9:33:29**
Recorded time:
**11:15:28**
